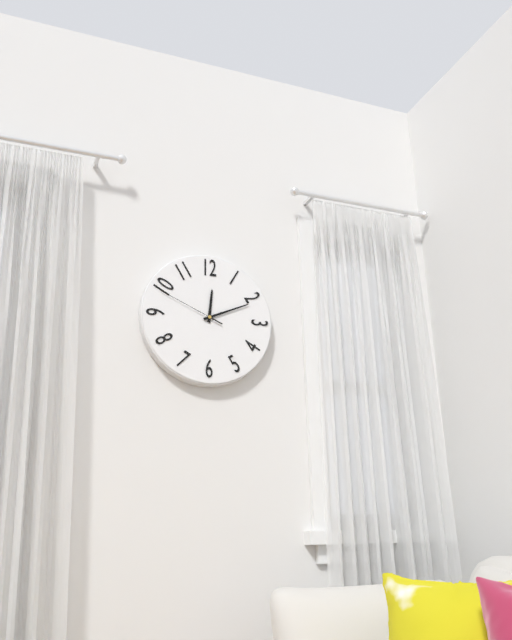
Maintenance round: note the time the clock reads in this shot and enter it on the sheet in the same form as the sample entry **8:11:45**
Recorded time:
**12:11:49**
